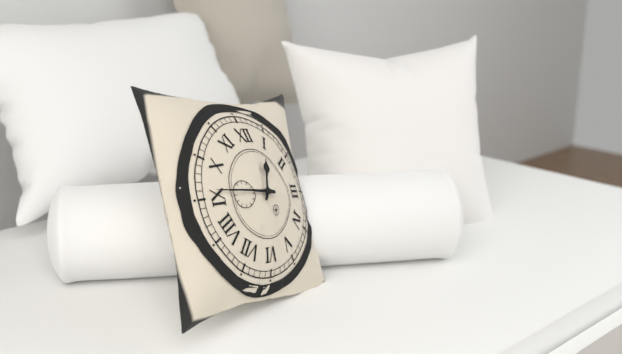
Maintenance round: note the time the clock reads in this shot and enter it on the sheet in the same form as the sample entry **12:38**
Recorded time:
**12:46**
